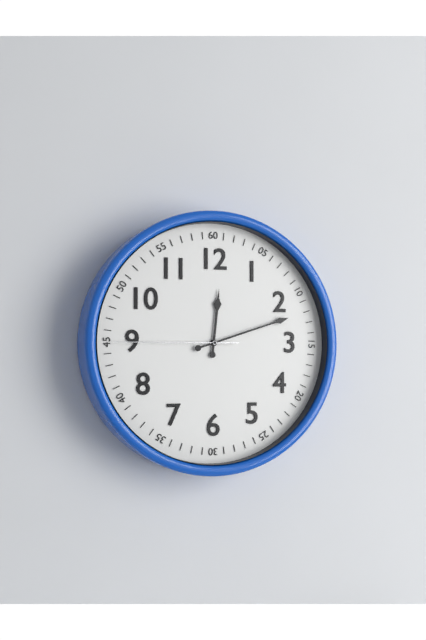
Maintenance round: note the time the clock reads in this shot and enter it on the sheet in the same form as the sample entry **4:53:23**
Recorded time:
**12:12:45**
